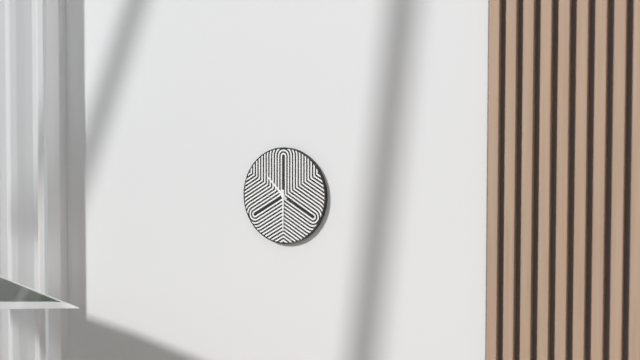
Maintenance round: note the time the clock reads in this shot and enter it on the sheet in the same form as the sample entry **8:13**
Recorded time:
**10:30**
